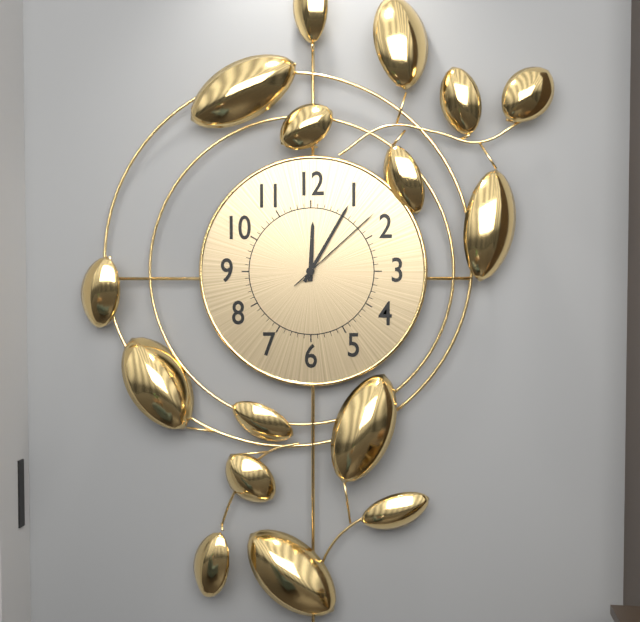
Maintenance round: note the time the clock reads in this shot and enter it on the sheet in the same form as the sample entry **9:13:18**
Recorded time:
**12:05:08**
